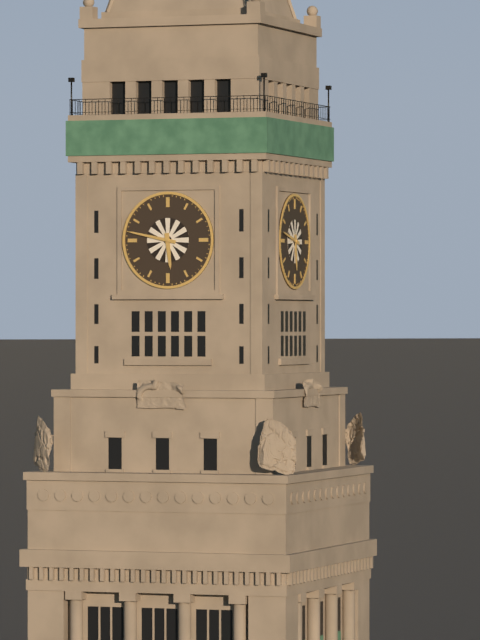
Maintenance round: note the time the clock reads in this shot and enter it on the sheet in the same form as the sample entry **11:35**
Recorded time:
**5:47**
